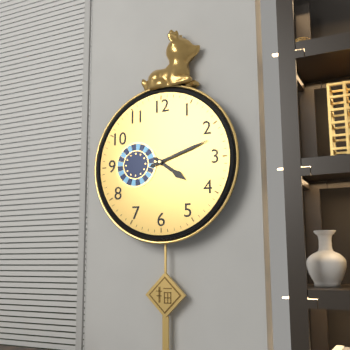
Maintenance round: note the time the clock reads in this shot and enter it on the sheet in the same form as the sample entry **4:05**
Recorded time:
**4:12**
